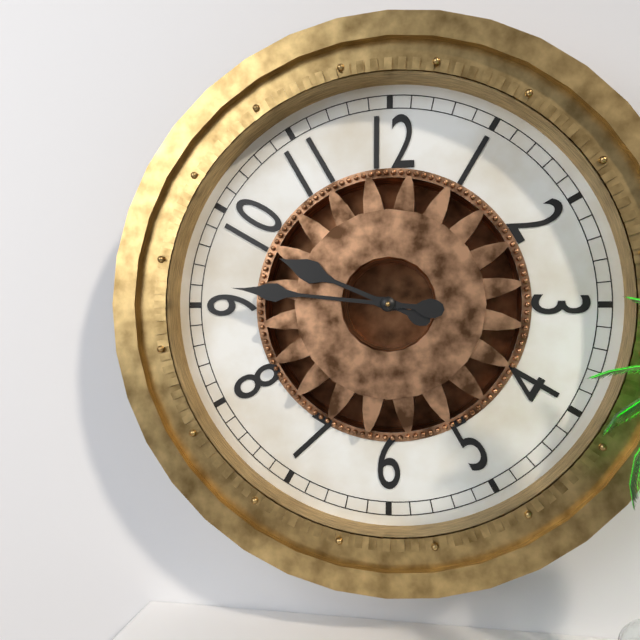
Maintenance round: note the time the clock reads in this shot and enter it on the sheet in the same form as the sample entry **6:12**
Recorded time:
**9:46**
